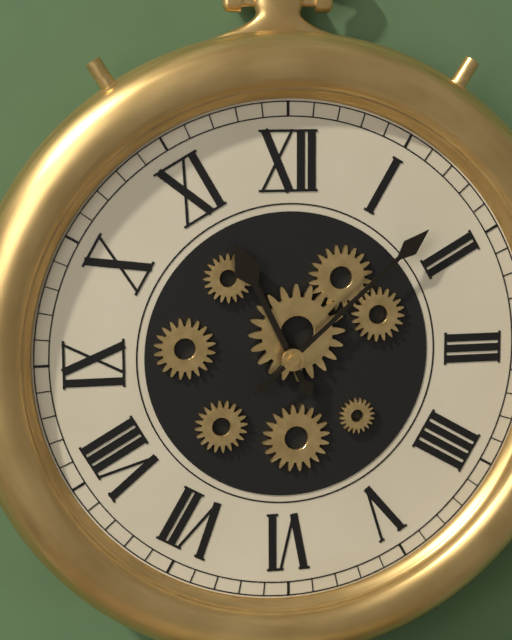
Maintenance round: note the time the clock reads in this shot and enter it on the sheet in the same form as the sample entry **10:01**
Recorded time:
**11:08**
